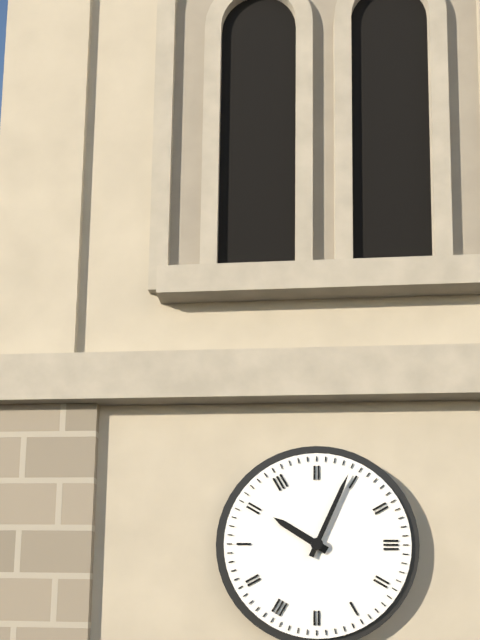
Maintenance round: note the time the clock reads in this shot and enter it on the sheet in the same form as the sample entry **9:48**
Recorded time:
**10:04**
